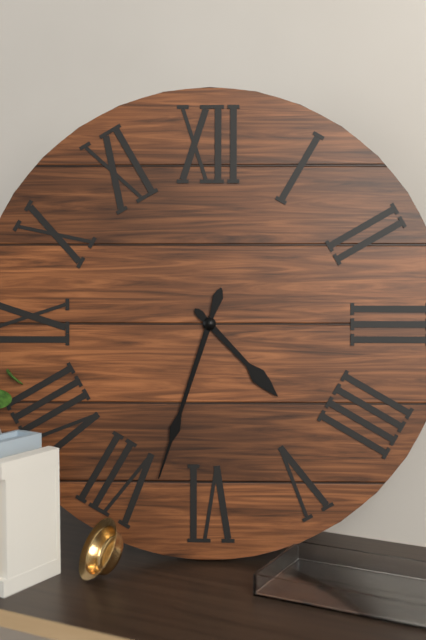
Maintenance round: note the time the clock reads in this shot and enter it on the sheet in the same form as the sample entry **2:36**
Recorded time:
**4:33**
